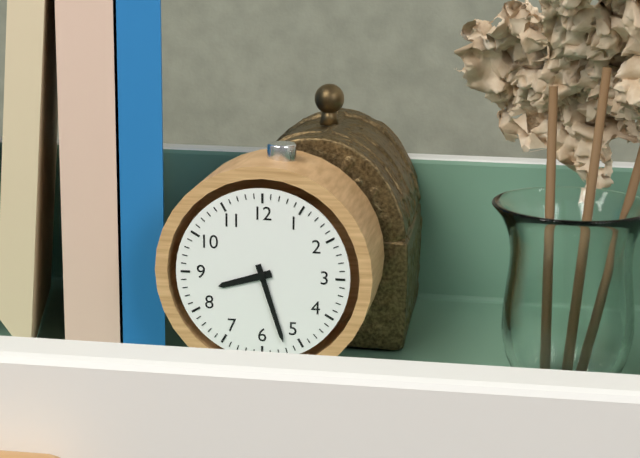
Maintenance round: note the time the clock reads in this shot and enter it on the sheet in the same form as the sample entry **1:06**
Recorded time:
**8:27**
